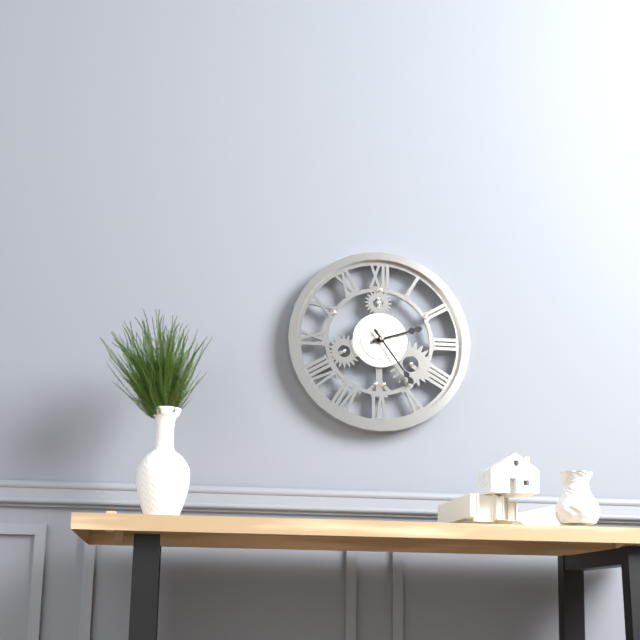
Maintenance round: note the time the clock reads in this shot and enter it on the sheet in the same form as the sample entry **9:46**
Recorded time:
**2:24**
